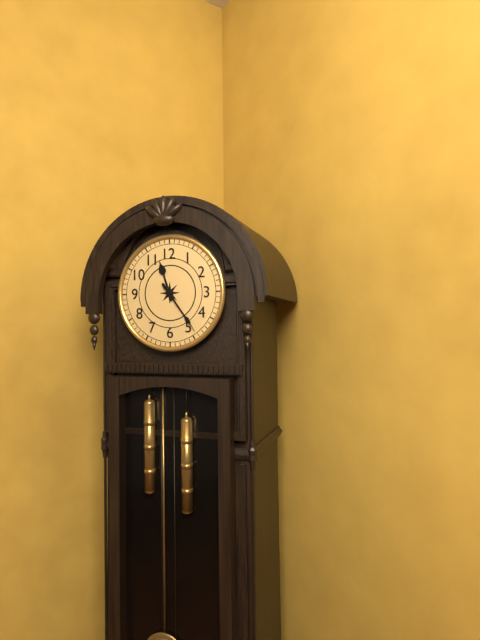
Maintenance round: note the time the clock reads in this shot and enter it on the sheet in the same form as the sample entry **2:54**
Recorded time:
**11:24**
